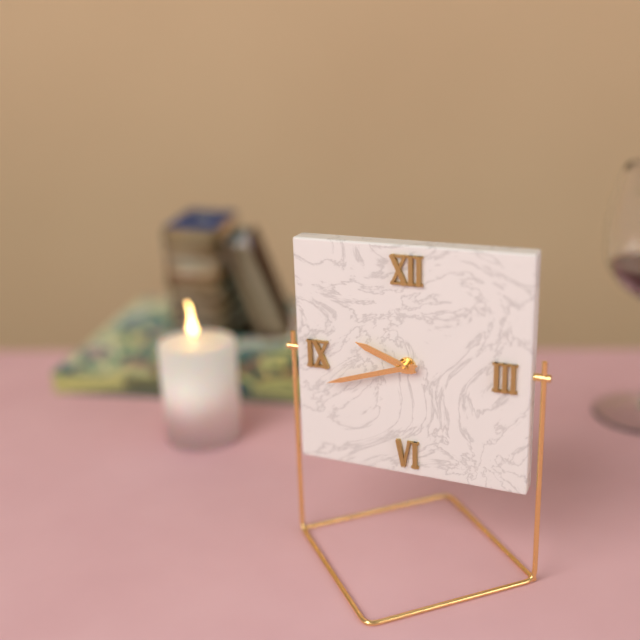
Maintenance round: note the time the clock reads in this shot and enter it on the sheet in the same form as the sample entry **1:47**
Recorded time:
**9:42**
